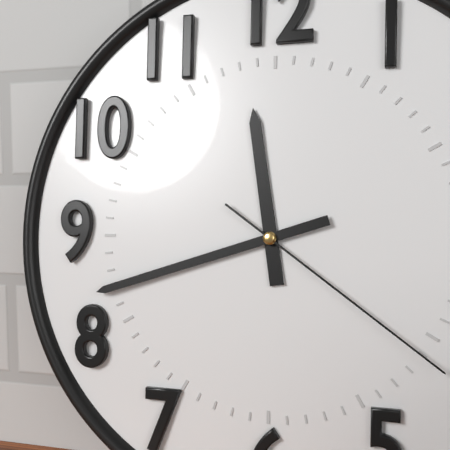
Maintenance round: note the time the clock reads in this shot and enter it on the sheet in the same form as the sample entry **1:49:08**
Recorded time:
**11:42:21**
